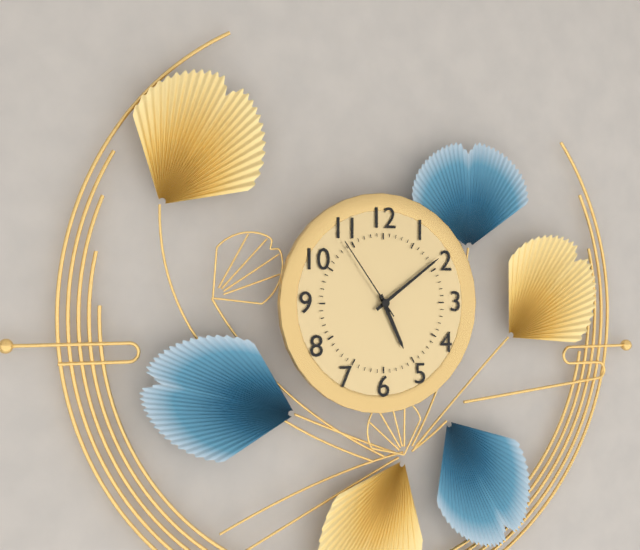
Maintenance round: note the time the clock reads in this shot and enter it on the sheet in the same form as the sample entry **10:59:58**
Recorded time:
**5:09:54**
